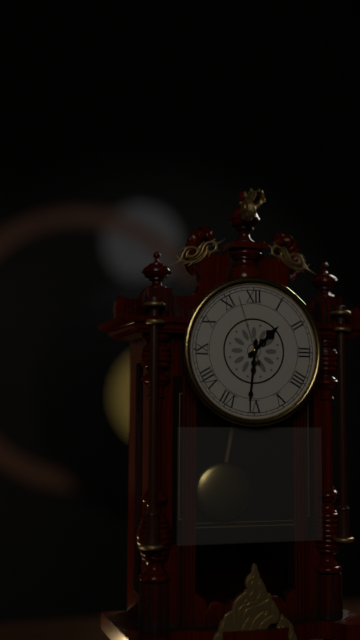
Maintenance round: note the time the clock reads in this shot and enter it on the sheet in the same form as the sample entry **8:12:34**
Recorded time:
**1:31:57**
